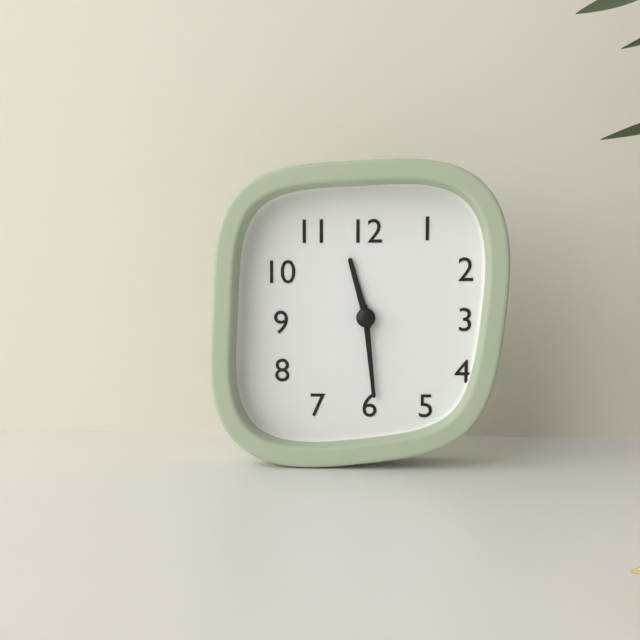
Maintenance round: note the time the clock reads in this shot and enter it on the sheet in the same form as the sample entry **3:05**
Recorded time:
**11:29**
